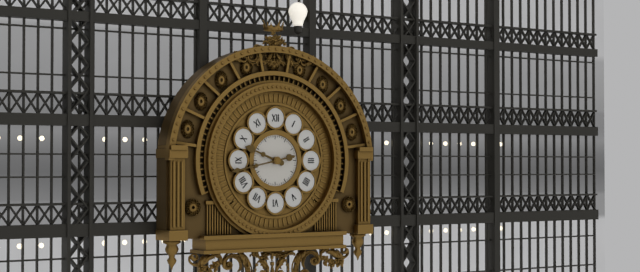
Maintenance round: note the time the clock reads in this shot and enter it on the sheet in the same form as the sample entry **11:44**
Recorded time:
**9:43**
